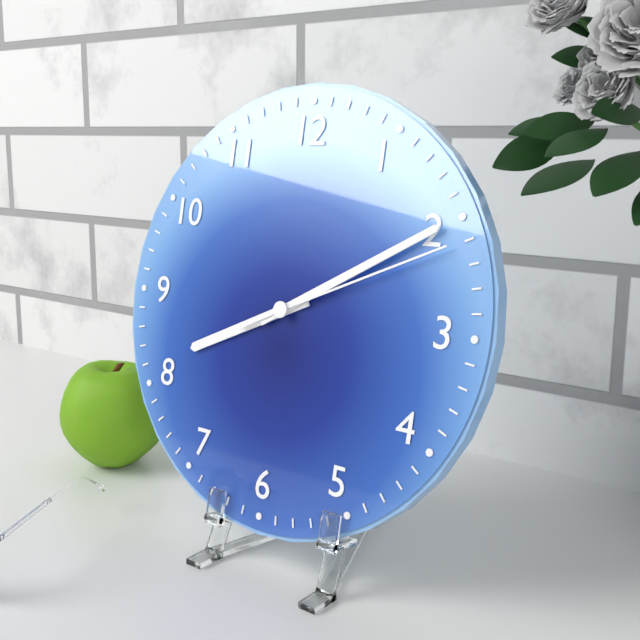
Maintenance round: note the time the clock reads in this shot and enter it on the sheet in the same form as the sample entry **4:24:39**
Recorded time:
**8:10:11**
